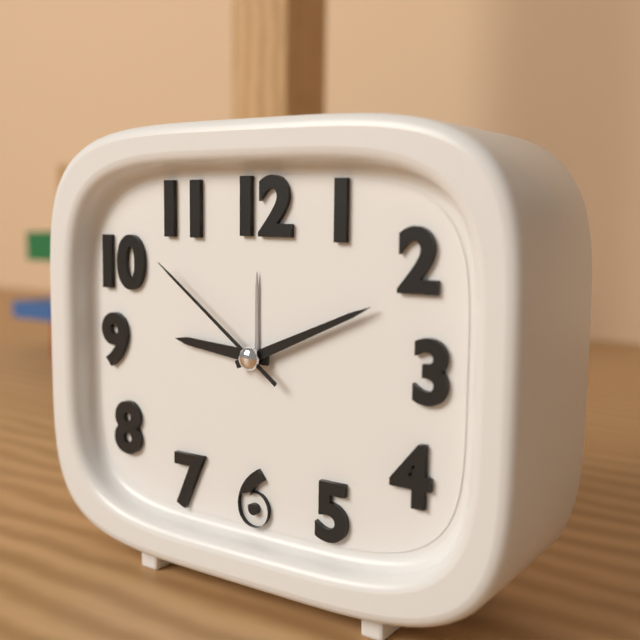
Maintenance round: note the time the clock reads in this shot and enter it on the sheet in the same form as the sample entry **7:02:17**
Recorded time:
**9:11:51**
